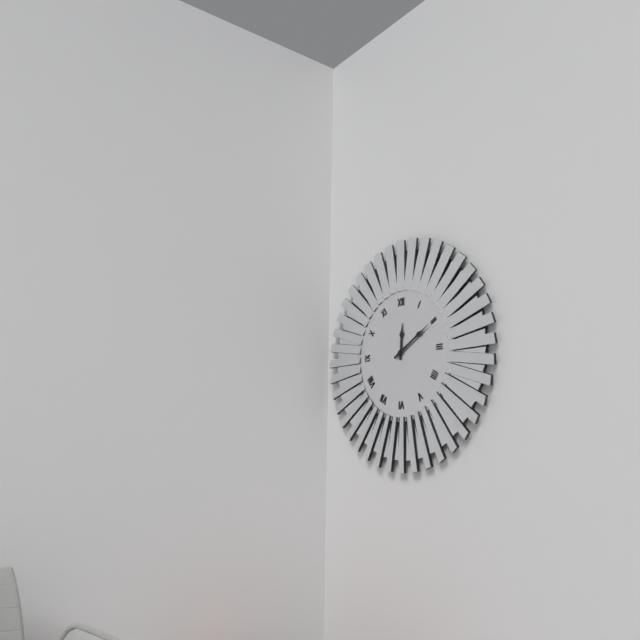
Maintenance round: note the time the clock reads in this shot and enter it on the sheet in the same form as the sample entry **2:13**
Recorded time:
**12:10**
